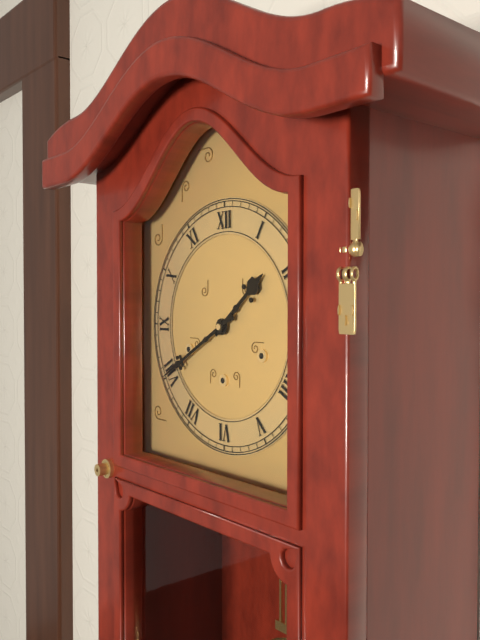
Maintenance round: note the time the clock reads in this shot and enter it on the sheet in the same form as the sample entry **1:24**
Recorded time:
**1:40**
